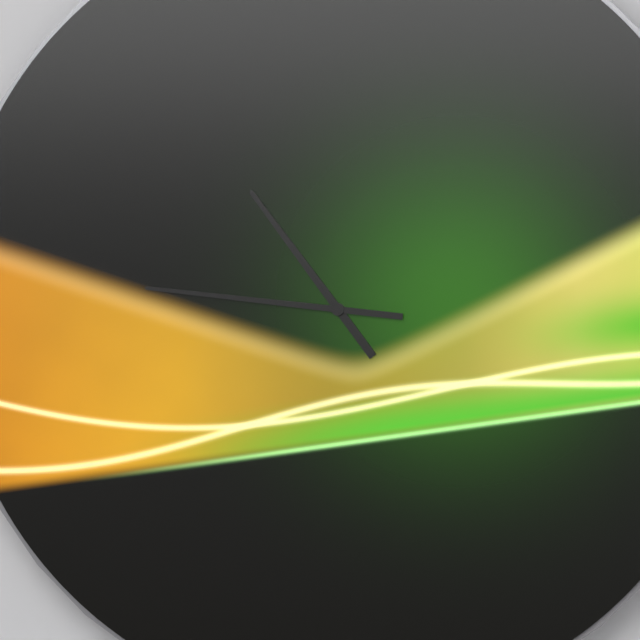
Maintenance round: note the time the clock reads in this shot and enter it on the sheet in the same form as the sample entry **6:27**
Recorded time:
**10:46**
